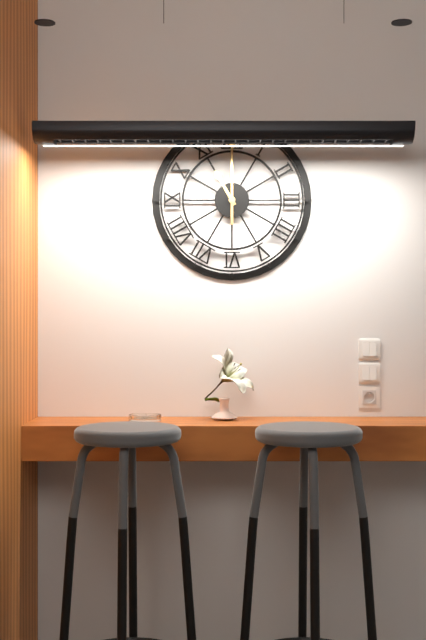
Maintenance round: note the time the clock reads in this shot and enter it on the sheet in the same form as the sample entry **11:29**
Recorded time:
**11:00**
